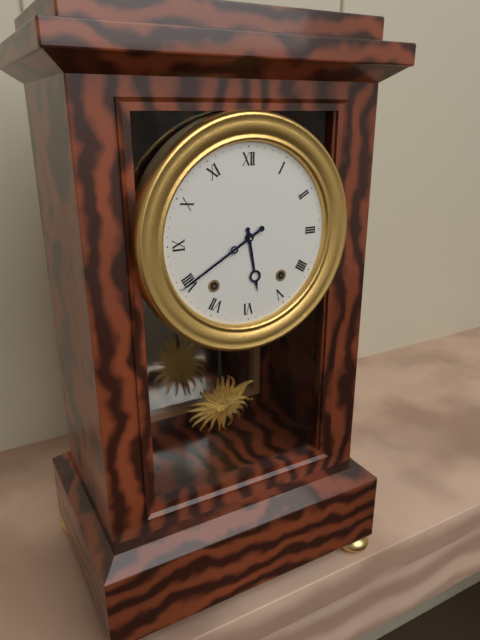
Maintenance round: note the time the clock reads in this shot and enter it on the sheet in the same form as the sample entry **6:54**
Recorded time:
**5:40**
